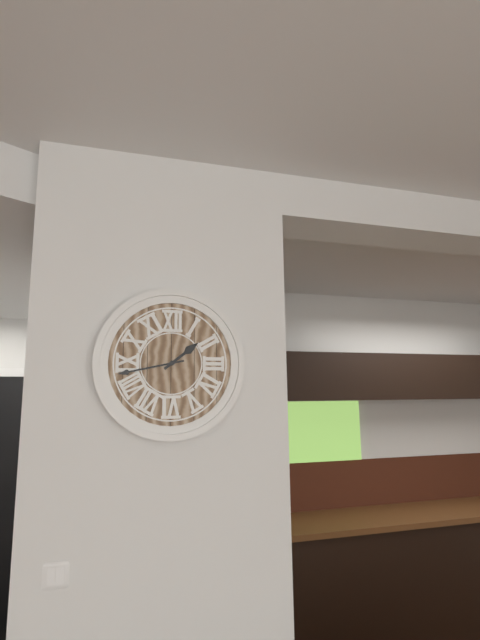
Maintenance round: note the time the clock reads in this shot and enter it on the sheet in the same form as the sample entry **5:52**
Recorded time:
**1:43**
